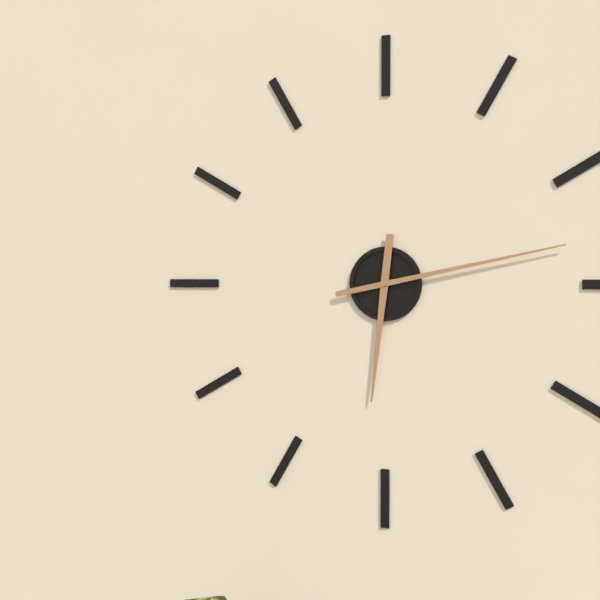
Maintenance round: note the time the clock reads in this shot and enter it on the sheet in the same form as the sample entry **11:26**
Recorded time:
**6:13**
